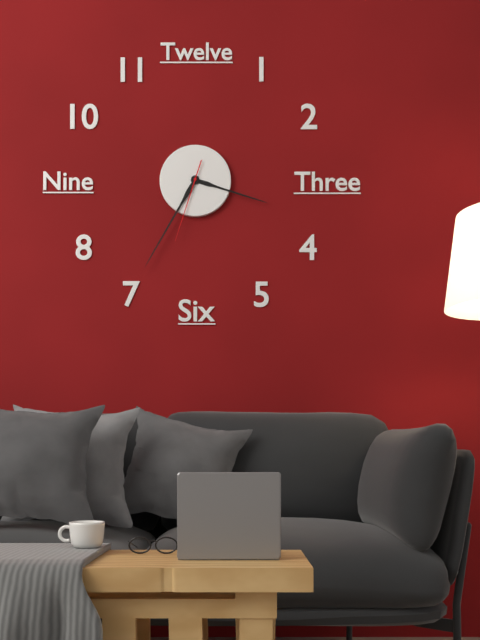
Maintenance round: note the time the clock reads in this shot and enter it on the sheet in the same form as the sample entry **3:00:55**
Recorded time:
**3:35:33**
